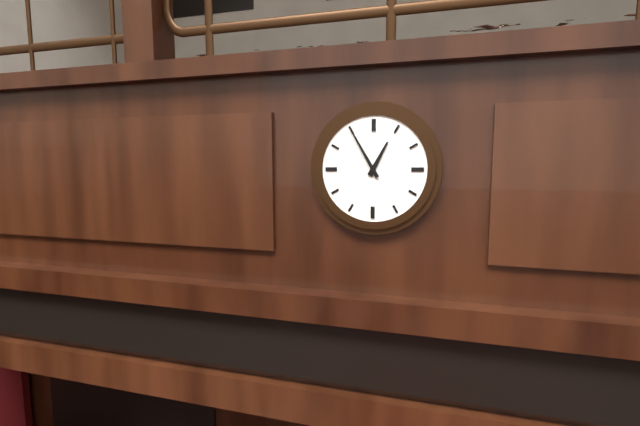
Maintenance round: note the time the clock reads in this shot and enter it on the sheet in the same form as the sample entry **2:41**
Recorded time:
**12:55**
